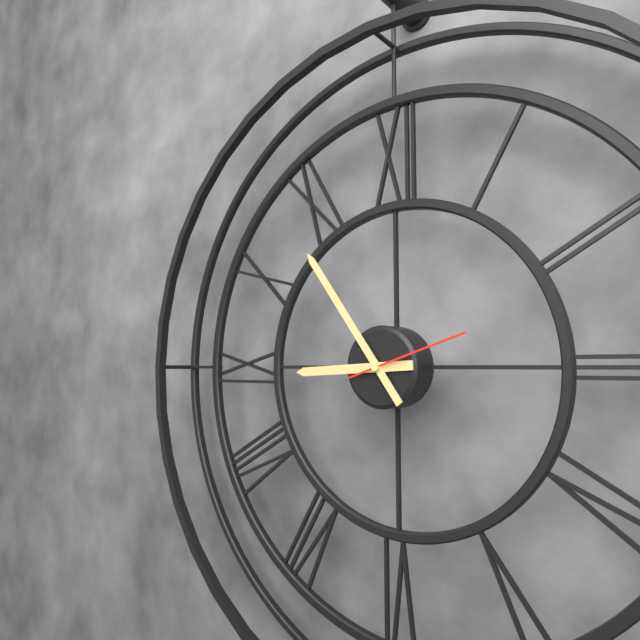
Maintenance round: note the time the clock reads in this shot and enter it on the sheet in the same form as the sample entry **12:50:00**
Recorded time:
**8:54:12**
